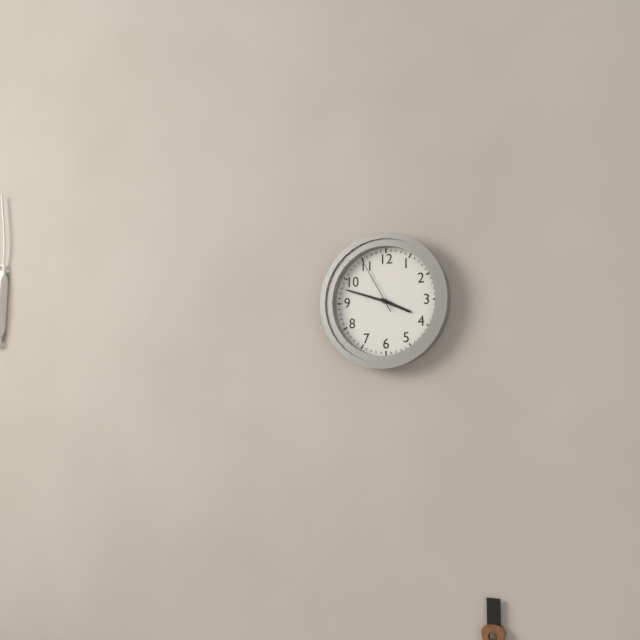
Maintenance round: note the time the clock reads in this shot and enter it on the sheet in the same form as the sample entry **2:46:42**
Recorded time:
**3:48:55**
